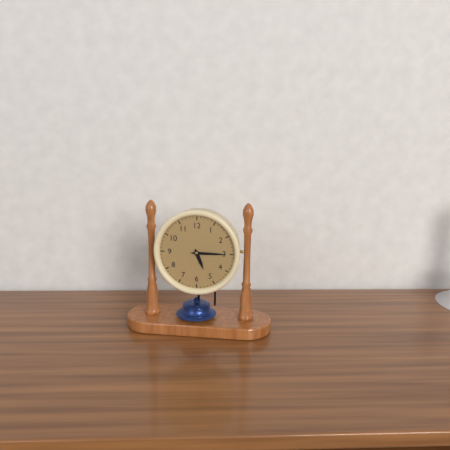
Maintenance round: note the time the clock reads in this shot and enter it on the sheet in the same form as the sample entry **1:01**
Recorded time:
**5:15**
